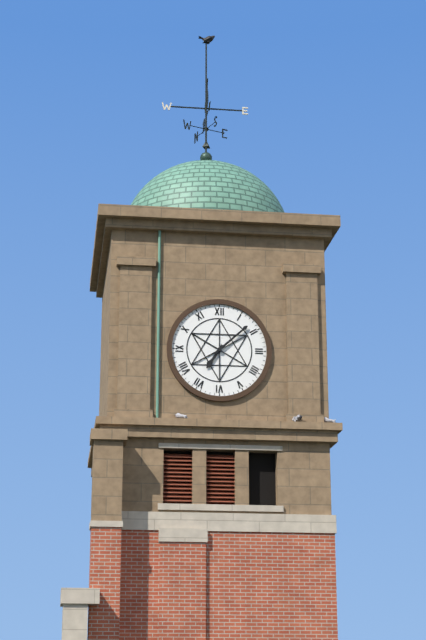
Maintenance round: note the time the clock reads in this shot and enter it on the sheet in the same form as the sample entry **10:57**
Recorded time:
**7:08**
